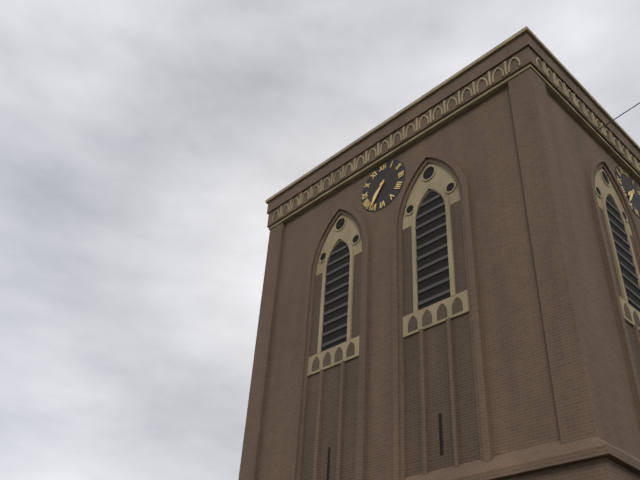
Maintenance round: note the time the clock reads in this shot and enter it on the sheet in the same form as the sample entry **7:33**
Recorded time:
**7:36**
